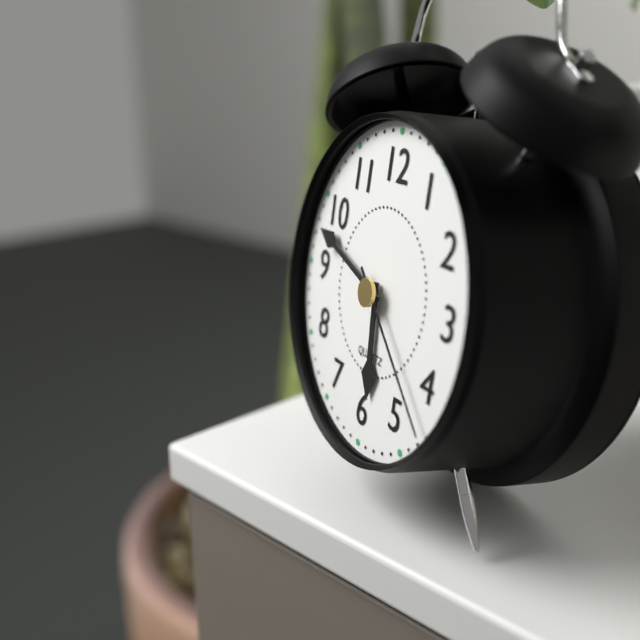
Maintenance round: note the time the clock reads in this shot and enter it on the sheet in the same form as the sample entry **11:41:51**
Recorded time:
**5:48:22**
